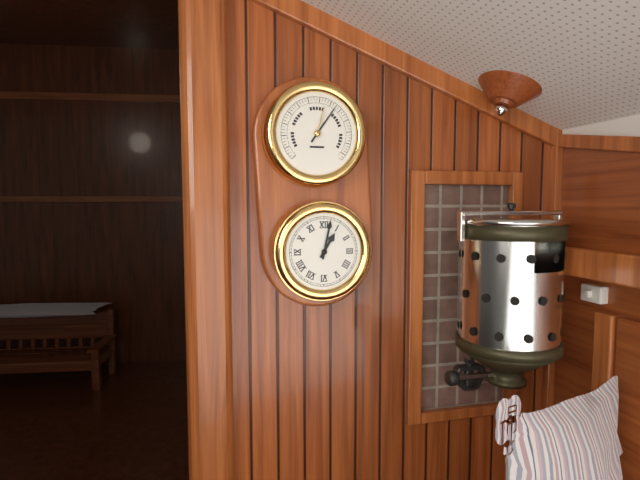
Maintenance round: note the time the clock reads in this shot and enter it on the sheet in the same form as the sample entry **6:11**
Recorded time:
**1:02**
